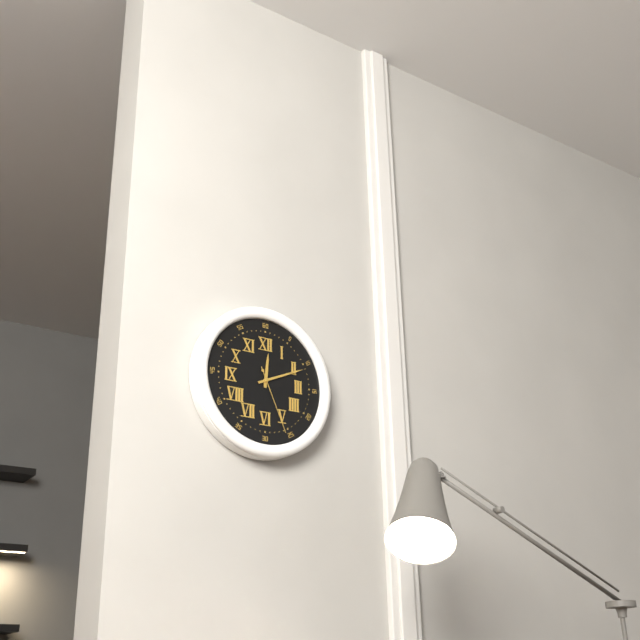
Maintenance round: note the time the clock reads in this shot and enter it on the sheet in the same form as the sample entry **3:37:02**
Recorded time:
**12:11:26**
